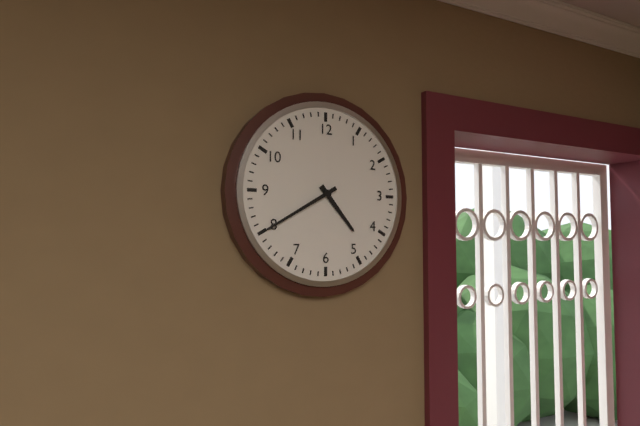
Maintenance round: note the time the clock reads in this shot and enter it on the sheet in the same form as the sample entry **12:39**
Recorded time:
**4:40**
